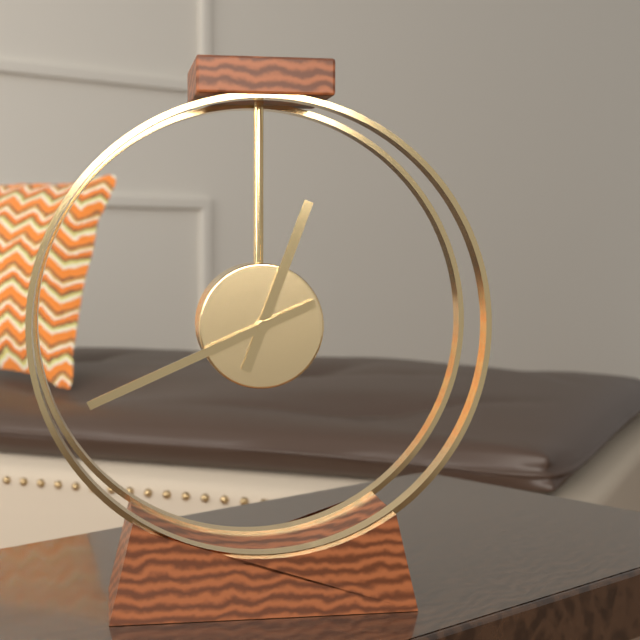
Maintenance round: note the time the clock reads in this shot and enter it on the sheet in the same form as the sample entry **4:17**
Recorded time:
**12:41**
